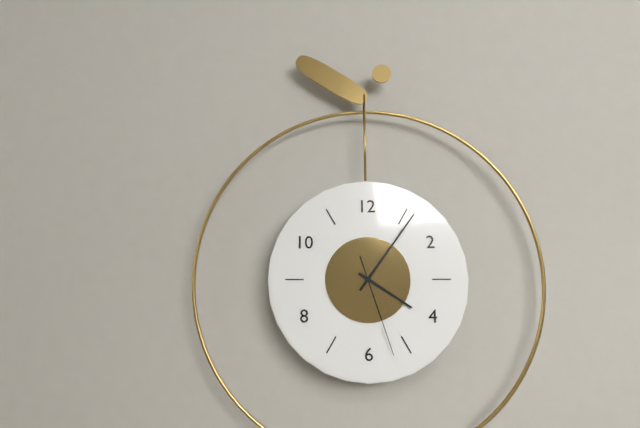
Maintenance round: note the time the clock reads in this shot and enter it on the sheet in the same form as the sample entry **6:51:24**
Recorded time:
**4:06:27**
